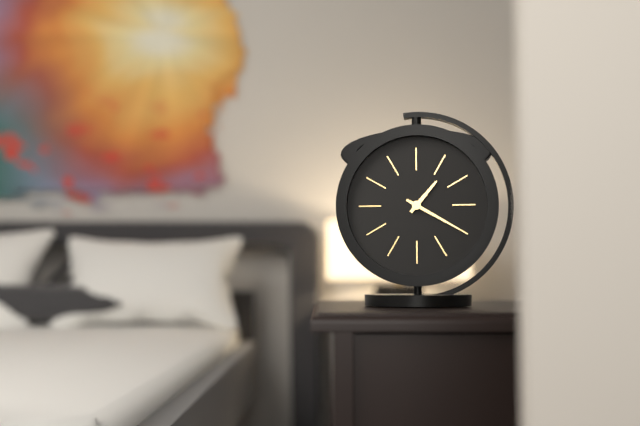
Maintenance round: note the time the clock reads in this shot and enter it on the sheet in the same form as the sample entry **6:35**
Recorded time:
**1:20**
